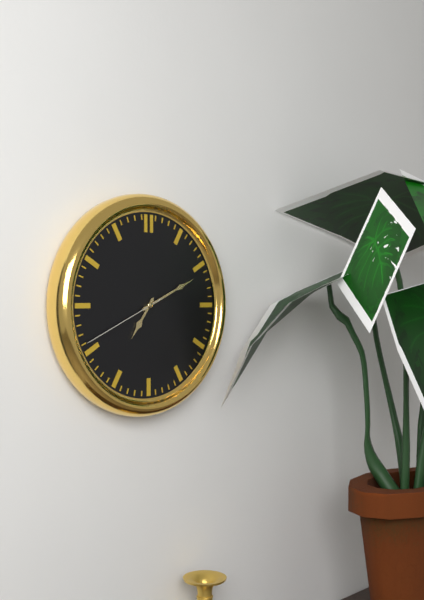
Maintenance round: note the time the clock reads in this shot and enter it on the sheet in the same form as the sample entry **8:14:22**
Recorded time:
**7:11:41**
